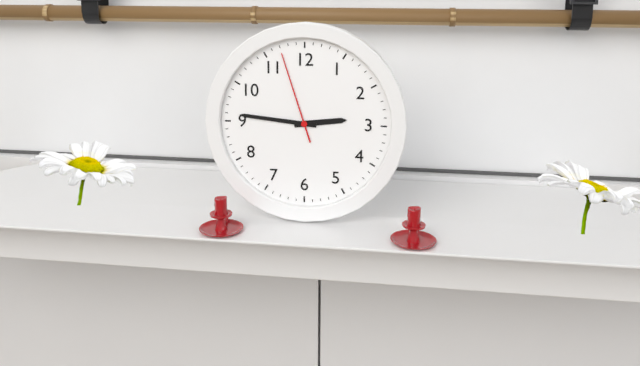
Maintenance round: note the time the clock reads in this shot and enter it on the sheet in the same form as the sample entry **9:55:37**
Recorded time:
**2:46:57**
